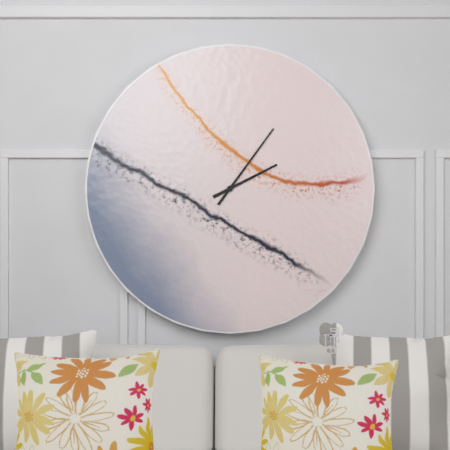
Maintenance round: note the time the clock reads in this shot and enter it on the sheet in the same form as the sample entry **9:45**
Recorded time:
**2:06**
